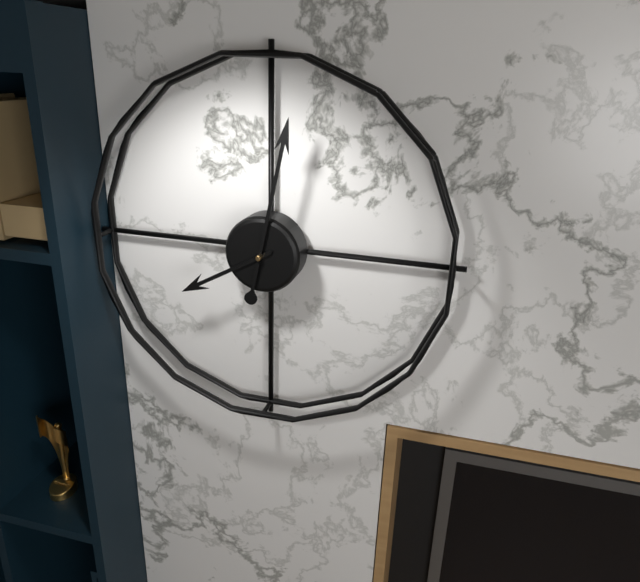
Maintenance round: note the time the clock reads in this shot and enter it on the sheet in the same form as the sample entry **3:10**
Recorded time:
**8:02**
